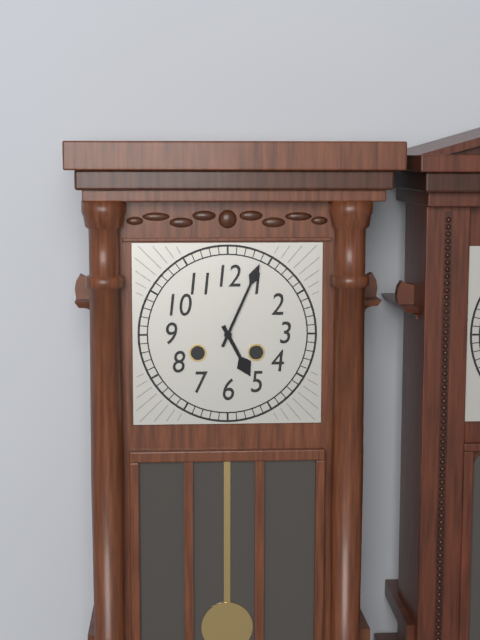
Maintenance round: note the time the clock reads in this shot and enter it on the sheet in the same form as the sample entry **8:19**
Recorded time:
**5:04**
